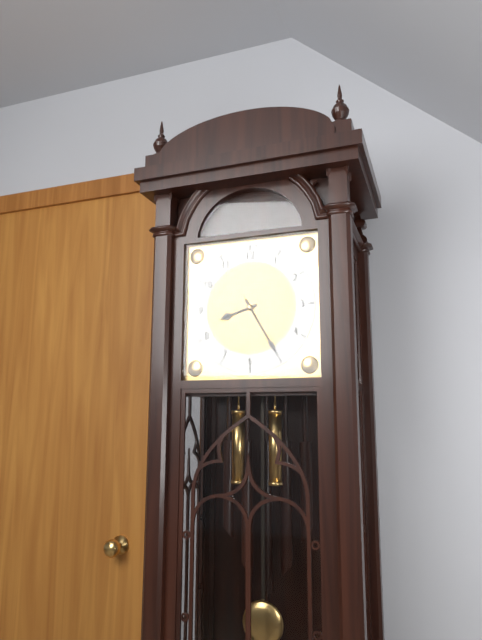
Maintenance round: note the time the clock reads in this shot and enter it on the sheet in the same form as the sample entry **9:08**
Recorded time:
**8:25**
